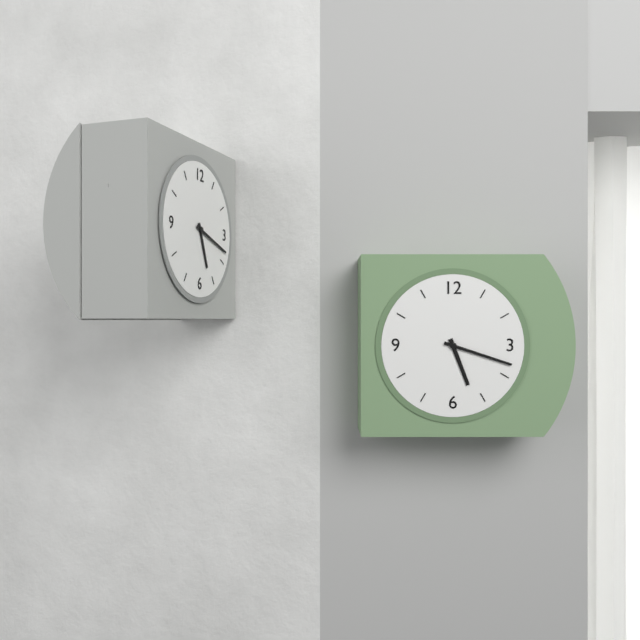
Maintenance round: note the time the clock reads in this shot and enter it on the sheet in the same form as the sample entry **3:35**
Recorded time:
**5:18**
